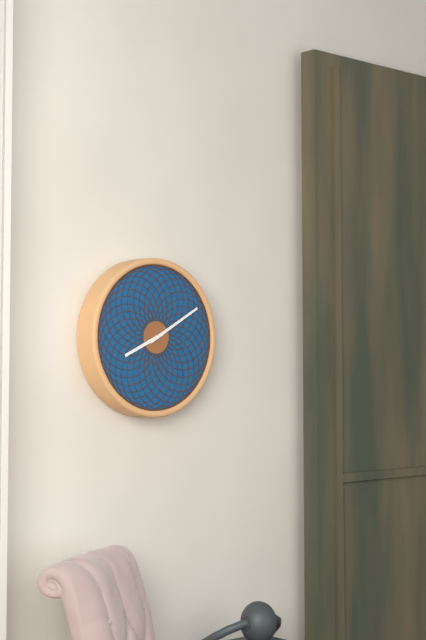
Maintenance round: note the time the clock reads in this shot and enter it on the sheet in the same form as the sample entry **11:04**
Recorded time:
**8:10**
